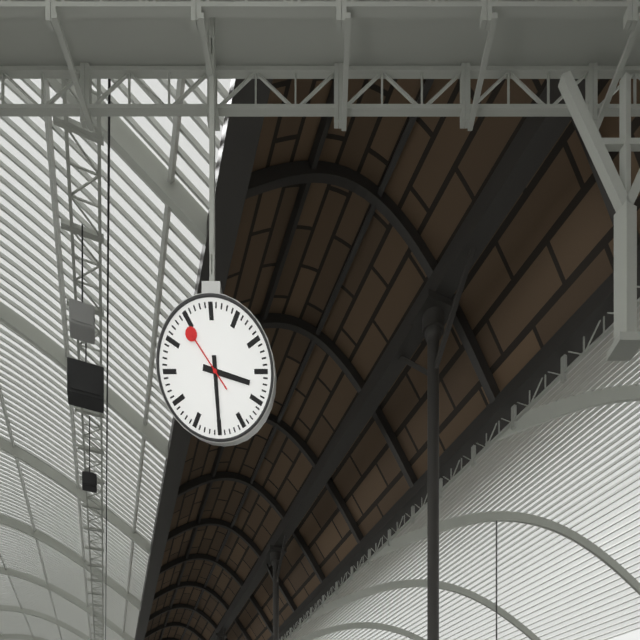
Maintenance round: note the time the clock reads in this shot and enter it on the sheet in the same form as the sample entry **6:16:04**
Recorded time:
**3:30:54**
